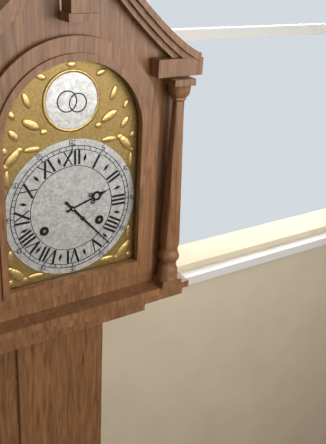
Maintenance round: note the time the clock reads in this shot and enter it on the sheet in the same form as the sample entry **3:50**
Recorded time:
**2:23**
